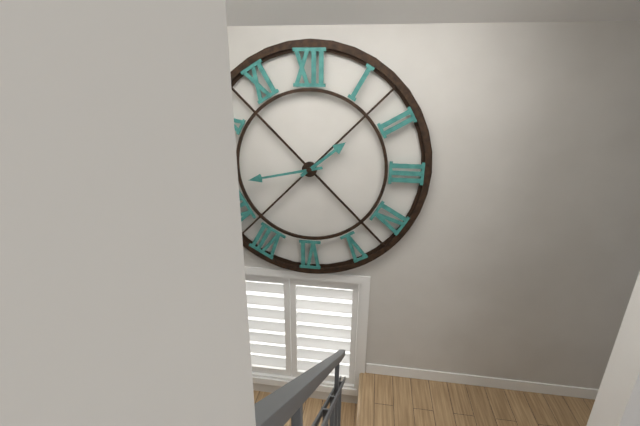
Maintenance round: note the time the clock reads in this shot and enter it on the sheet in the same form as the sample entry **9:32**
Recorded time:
**1:43**
